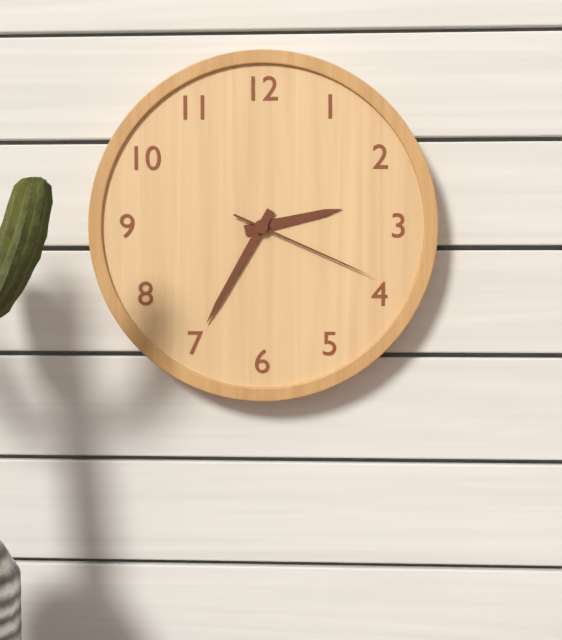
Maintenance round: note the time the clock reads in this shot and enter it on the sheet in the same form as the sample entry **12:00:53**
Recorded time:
**2:35:19**
